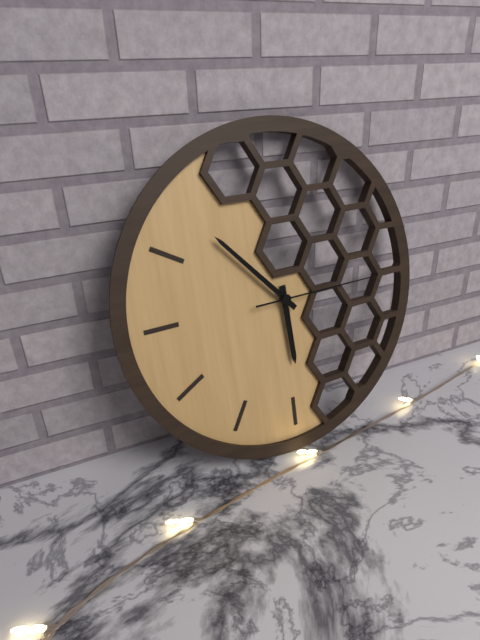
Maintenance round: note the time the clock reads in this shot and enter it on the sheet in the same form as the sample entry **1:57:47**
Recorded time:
**5:53:15**
